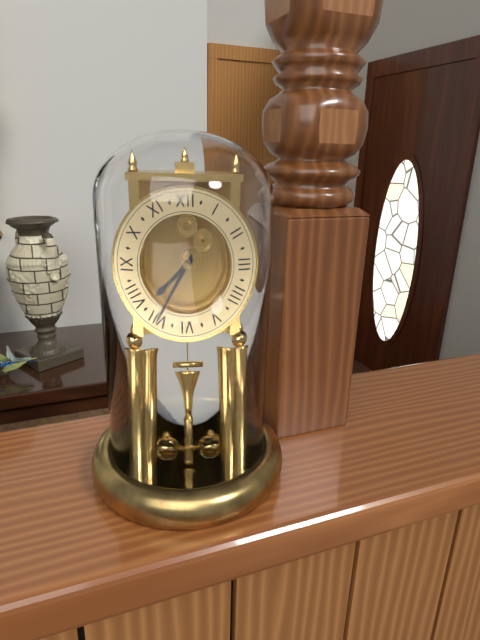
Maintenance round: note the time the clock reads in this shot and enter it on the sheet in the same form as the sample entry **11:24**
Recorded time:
**7:35**
